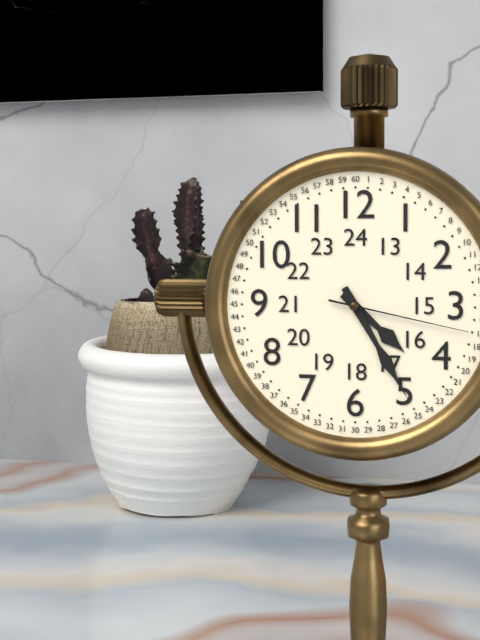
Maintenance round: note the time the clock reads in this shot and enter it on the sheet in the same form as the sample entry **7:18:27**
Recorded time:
**4:25:17**
